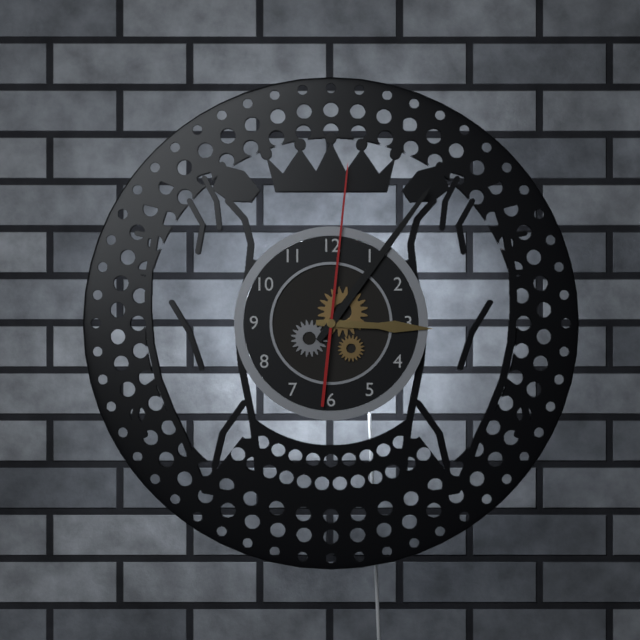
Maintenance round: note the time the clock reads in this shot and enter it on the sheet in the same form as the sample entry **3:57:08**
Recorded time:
**3:06:01**
